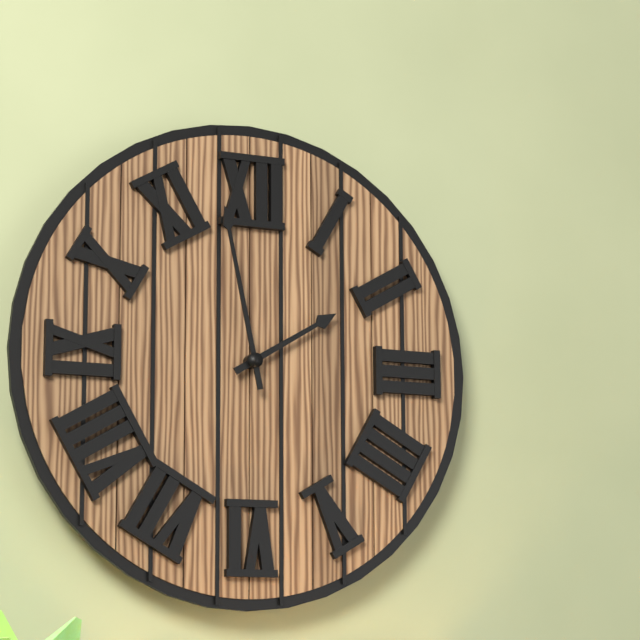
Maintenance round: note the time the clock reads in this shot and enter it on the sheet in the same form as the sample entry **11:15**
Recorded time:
**1:58**
